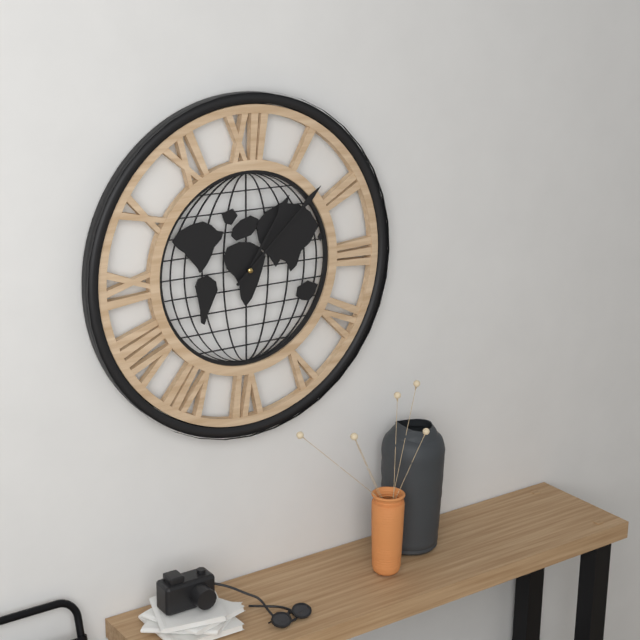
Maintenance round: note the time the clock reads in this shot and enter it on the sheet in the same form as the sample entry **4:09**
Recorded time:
**1:08**
